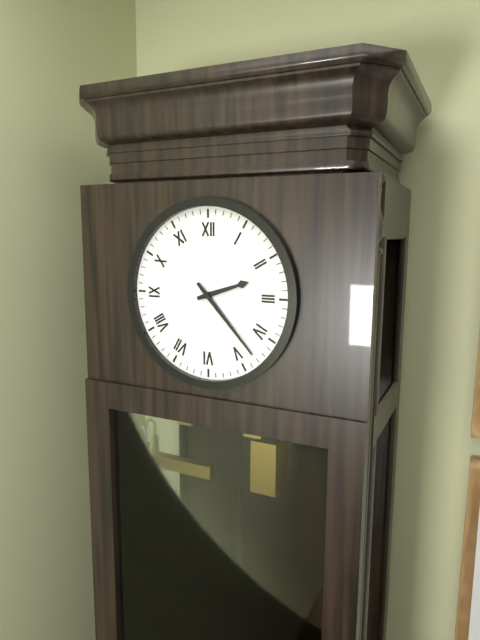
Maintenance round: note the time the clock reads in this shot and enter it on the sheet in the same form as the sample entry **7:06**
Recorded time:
**2:23**
